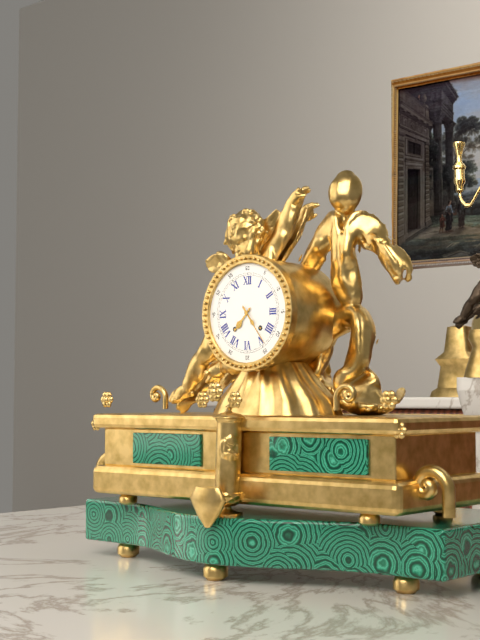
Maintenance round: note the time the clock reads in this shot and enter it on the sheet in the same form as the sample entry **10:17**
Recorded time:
**7:24**
